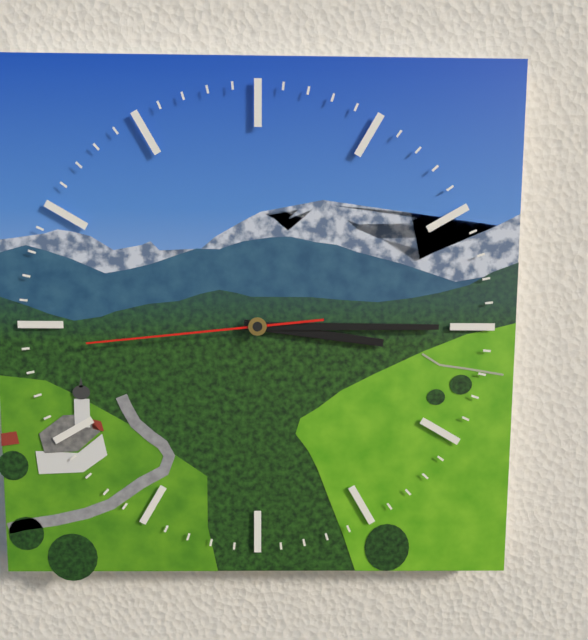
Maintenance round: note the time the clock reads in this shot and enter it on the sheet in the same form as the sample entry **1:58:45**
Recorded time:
**3:15:44**
